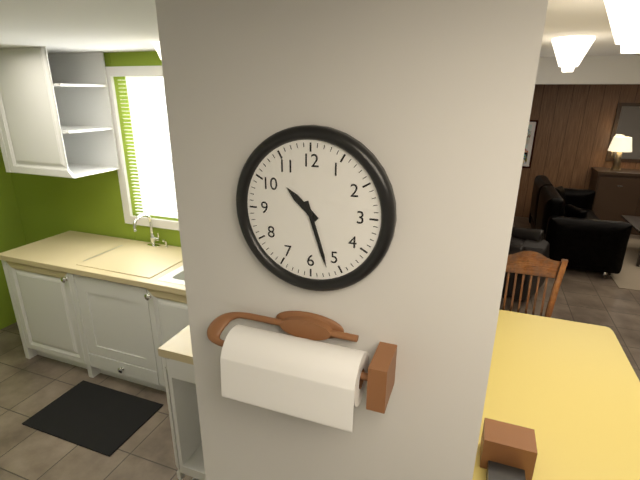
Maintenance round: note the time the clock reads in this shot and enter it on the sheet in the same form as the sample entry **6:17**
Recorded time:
**10:27**
